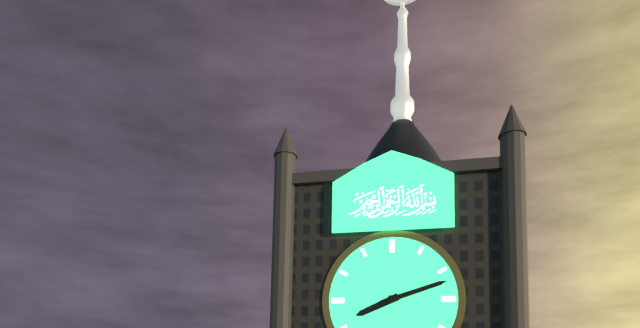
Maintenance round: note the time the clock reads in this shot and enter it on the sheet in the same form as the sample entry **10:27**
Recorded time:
**8:12**
